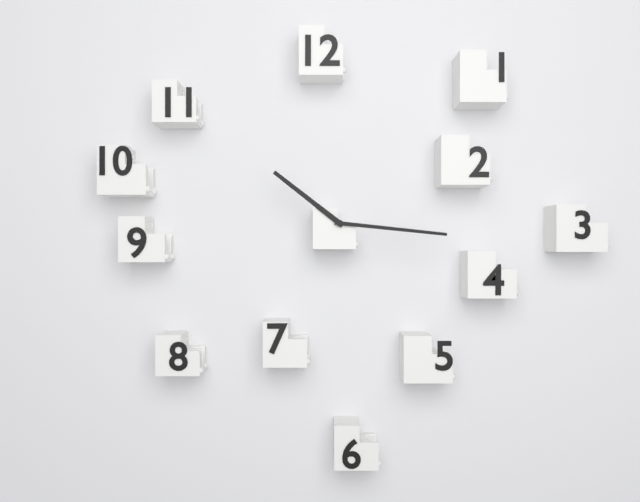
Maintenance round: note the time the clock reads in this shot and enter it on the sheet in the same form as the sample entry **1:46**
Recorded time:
**10:16**
